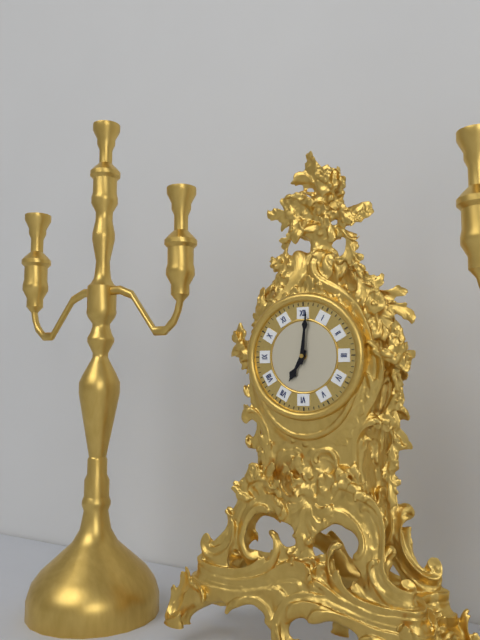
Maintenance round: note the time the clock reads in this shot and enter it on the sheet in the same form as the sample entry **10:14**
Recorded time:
**7:01**
